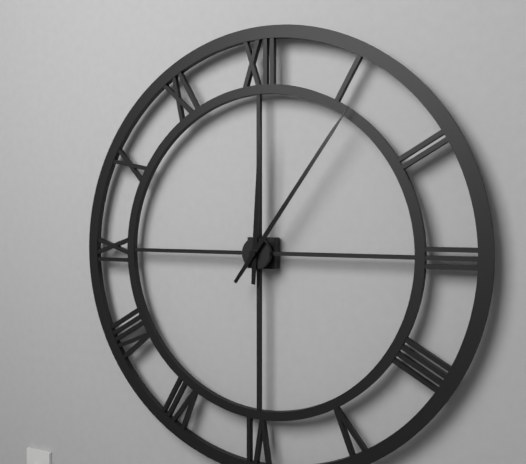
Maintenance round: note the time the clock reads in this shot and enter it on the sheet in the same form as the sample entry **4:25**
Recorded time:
**12:06**
